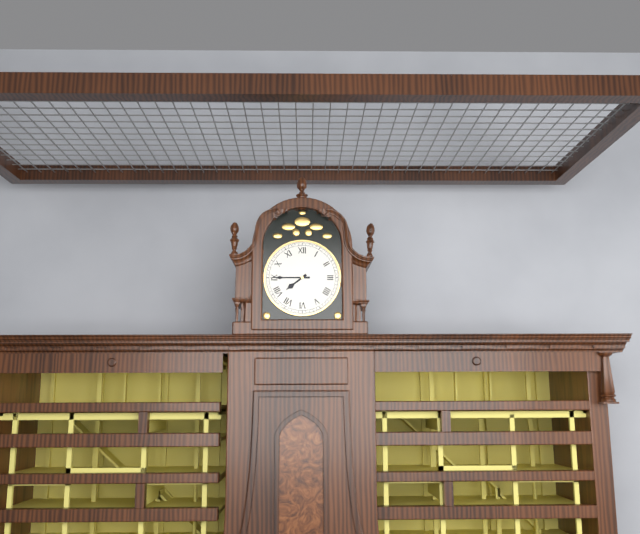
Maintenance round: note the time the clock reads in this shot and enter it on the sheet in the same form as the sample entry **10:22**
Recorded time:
**7:45**
